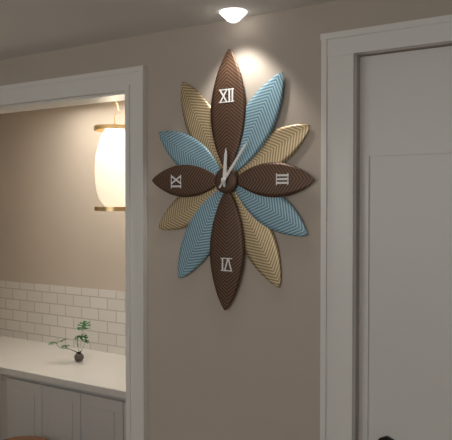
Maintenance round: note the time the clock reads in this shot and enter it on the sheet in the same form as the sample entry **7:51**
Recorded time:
**12:06**
